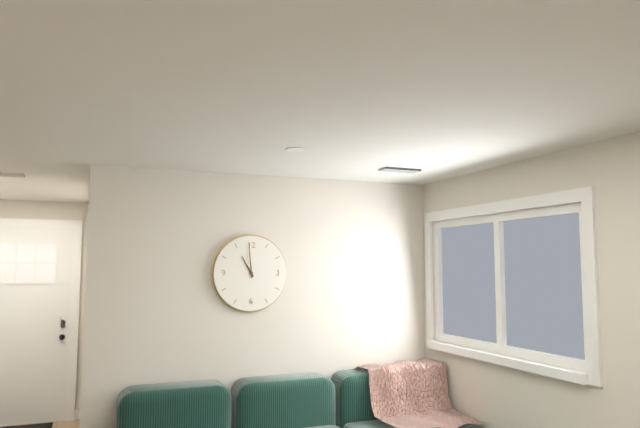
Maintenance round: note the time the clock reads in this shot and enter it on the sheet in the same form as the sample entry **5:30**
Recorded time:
**10:59**
